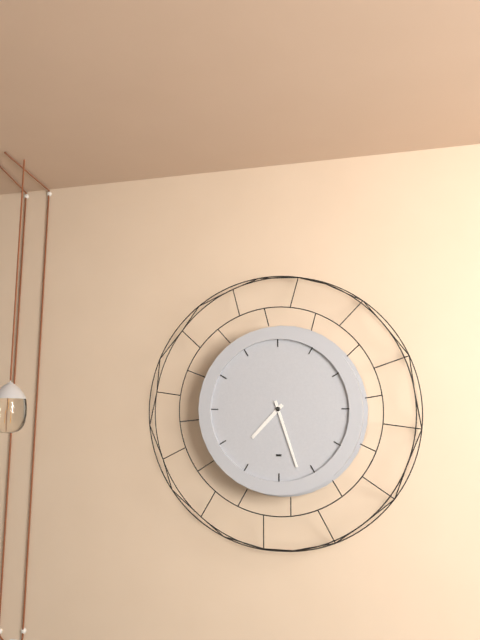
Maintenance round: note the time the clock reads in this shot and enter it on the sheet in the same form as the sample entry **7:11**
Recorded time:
**7:27**
